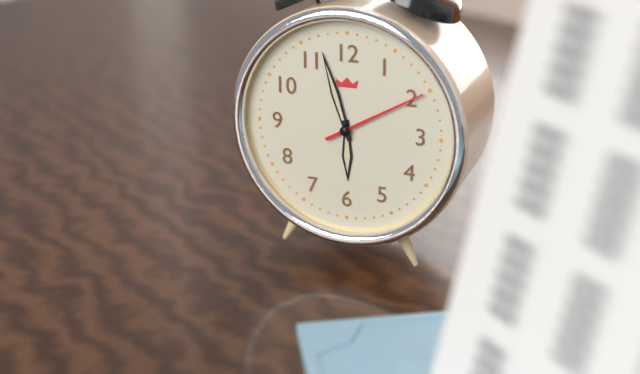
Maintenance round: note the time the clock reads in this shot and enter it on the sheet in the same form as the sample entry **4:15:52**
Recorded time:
**5:57:10**
